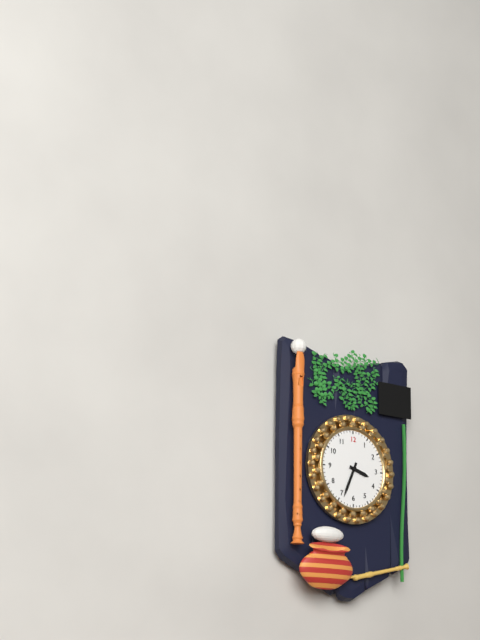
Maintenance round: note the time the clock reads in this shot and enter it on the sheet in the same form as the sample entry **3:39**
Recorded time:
**3:34**
